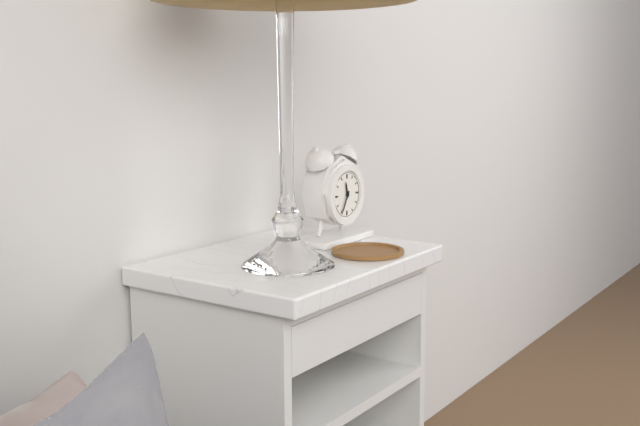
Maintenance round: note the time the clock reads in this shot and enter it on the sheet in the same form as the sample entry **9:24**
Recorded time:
**11:35**
